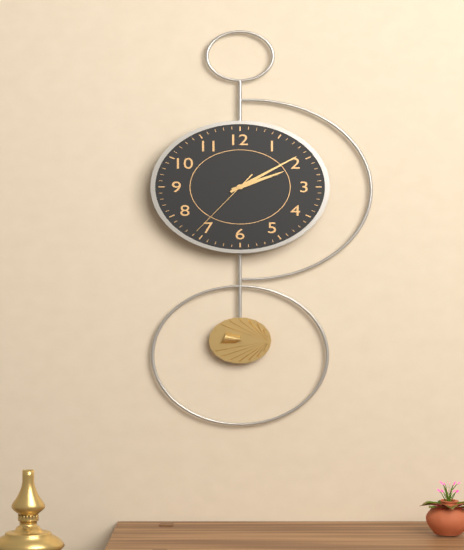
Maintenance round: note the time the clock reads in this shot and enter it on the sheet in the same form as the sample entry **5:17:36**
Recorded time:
**2:09:36**
